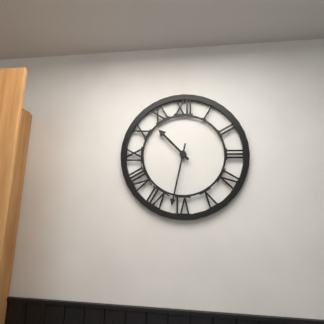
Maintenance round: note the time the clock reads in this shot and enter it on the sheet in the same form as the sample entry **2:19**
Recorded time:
**10:32**
